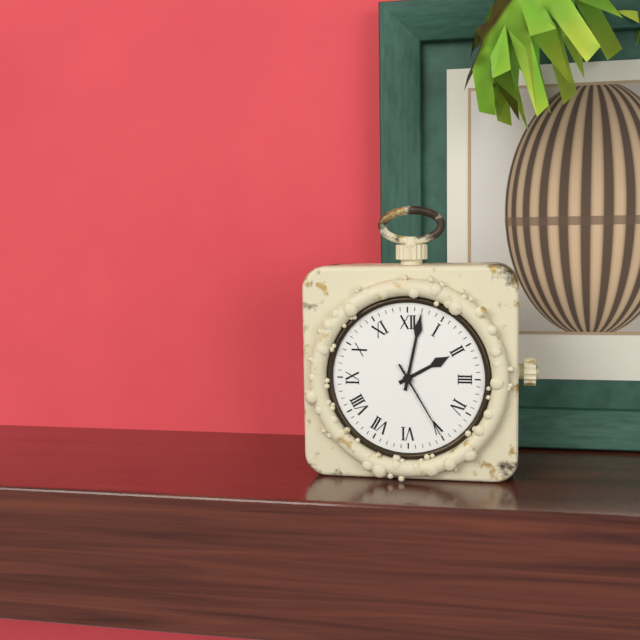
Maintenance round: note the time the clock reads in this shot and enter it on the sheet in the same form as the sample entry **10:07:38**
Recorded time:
**2:02:25**
